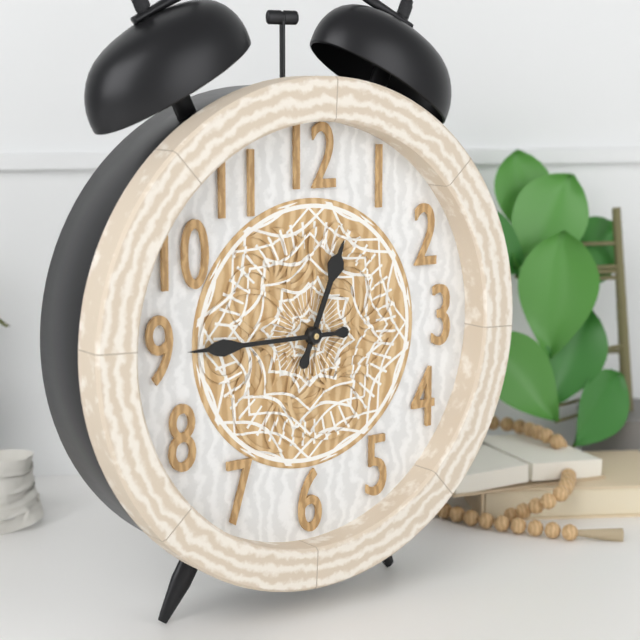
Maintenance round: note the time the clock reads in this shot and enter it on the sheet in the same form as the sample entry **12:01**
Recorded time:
**12:45**
